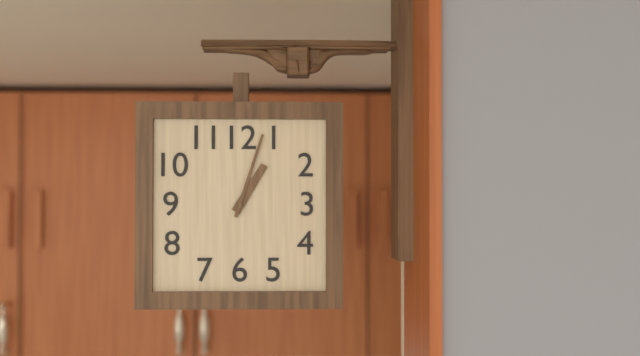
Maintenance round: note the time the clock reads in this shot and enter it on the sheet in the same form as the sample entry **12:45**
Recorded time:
**1:03**
